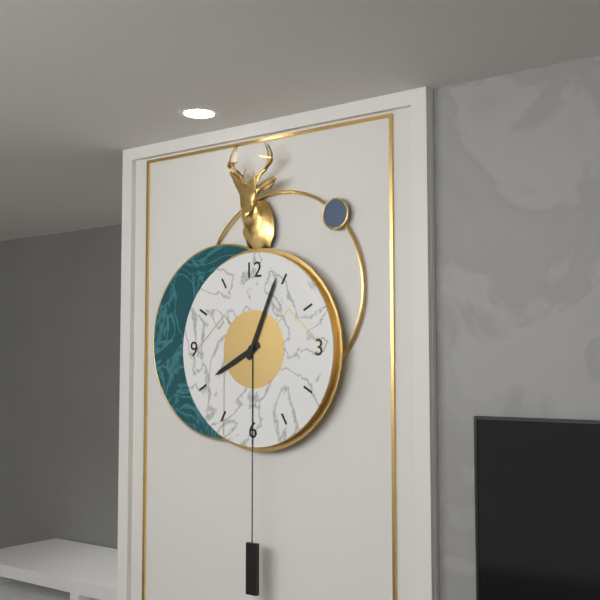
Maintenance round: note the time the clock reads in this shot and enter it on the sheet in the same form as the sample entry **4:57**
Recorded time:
**8:04**
